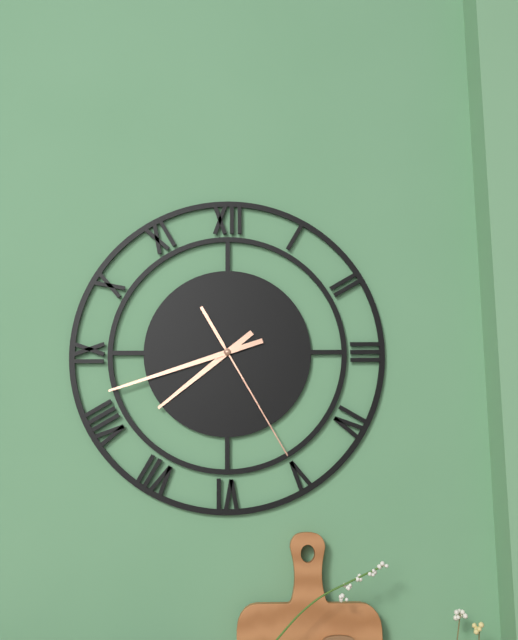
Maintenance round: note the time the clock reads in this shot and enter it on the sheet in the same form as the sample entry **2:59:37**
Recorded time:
**7:42:25**
